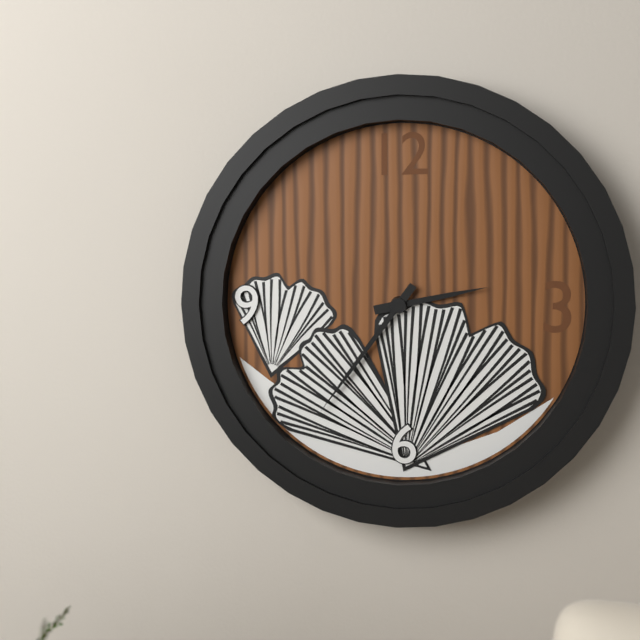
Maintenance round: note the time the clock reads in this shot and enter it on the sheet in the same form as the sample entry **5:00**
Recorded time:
**2:36**
